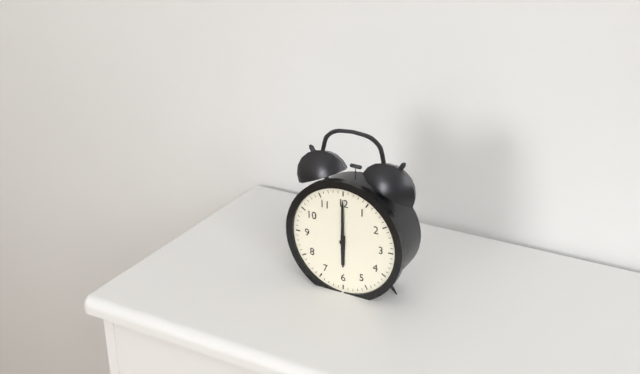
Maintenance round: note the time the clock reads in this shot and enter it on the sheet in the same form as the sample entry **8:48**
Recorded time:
**6:00**
